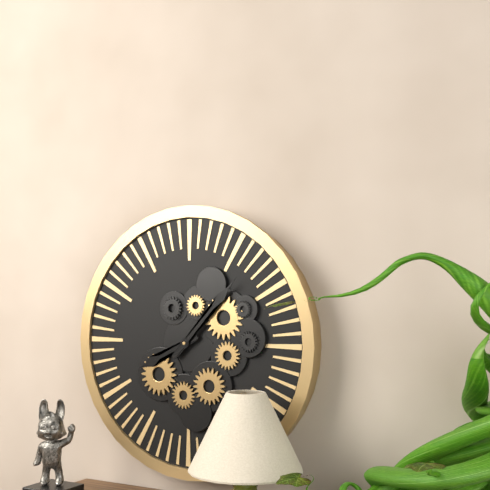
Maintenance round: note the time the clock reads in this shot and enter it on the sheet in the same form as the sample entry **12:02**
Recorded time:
**8:07**
